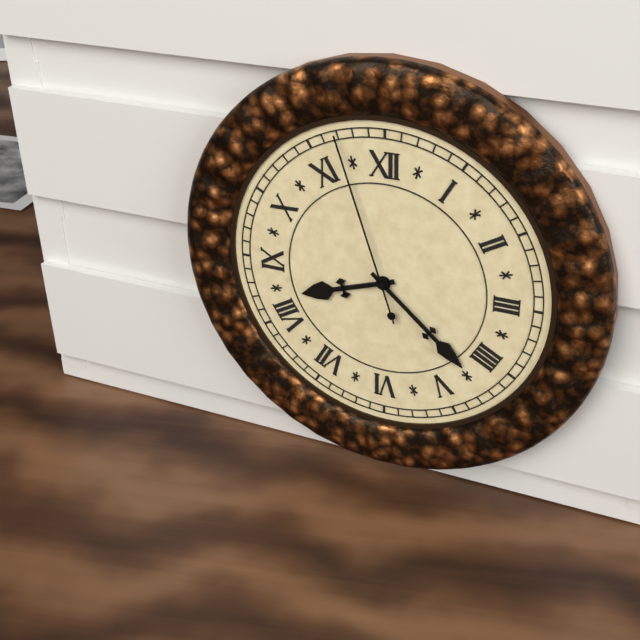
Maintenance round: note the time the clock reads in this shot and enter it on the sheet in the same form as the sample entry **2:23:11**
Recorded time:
**8:22:57**
